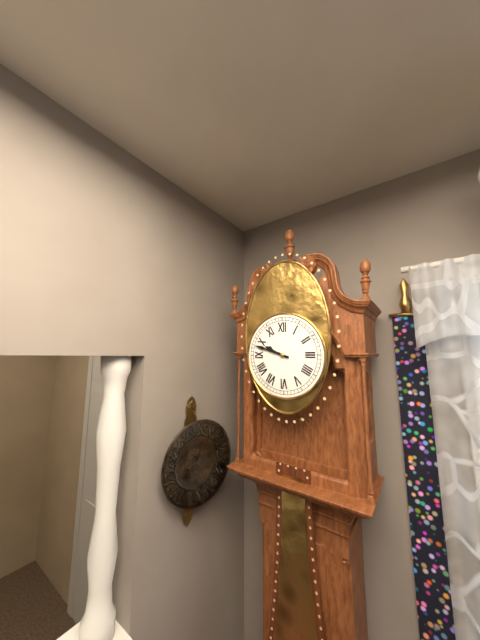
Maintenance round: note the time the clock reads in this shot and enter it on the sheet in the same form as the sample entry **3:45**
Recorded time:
**9:48**
